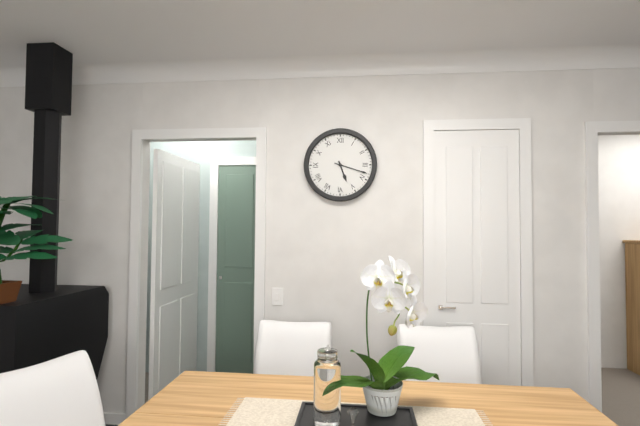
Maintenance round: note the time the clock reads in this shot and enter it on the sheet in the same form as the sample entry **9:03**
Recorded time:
**5:18**
